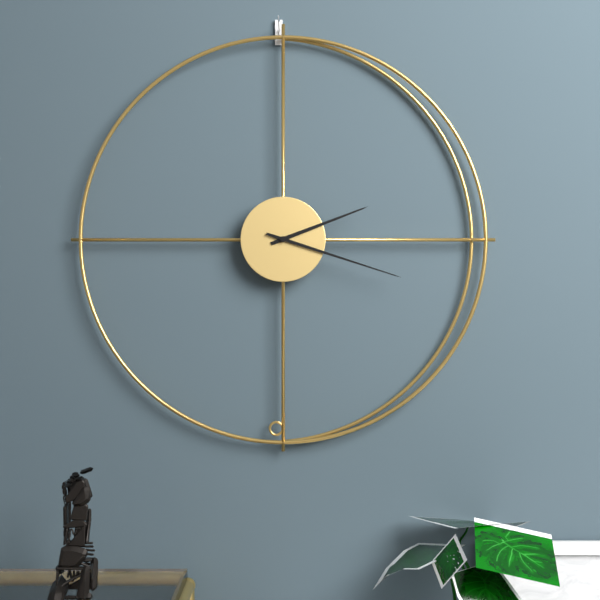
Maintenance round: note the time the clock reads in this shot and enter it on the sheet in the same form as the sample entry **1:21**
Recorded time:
**2:18**
